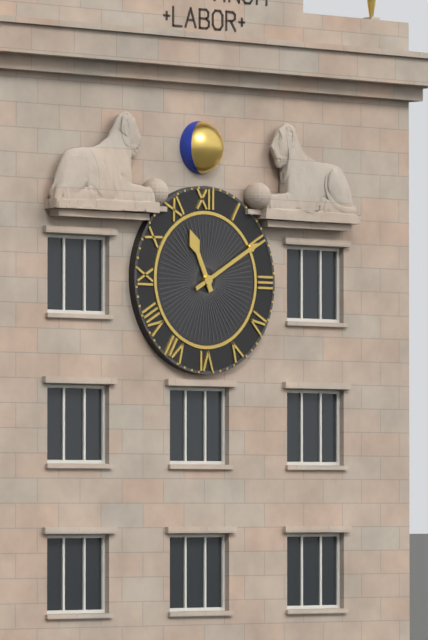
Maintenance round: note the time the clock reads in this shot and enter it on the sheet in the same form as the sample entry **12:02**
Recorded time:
**11:10**
